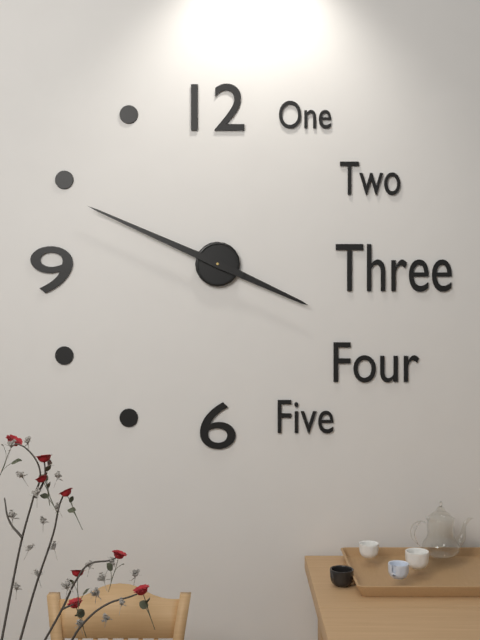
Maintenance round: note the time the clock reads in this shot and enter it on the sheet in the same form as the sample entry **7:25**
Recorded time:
**3:49**
